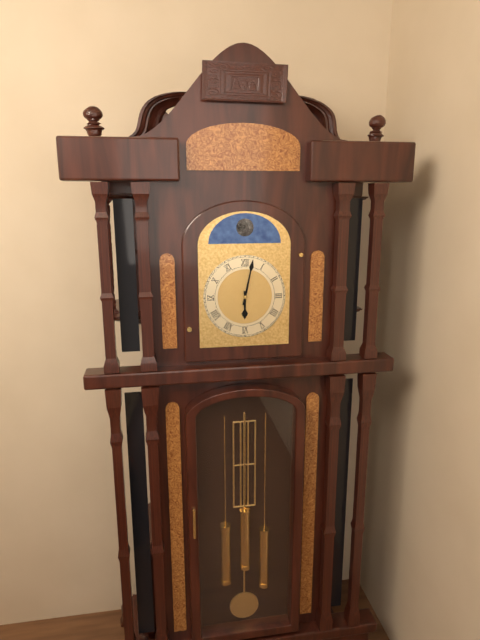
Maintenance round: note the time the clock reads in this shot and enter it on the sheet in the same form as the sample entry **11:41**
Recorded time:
**6:02**
